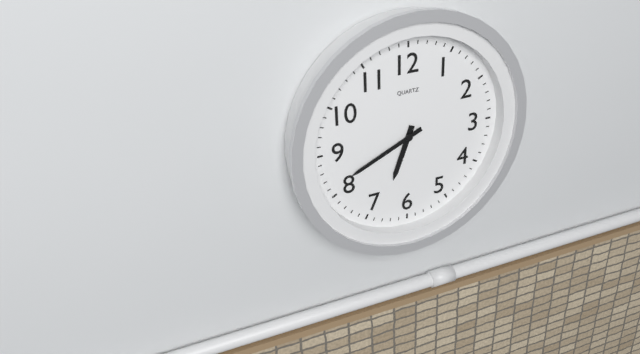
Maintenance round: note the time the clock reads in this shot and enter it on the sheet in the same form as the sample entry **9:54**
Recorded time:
**6:41**
